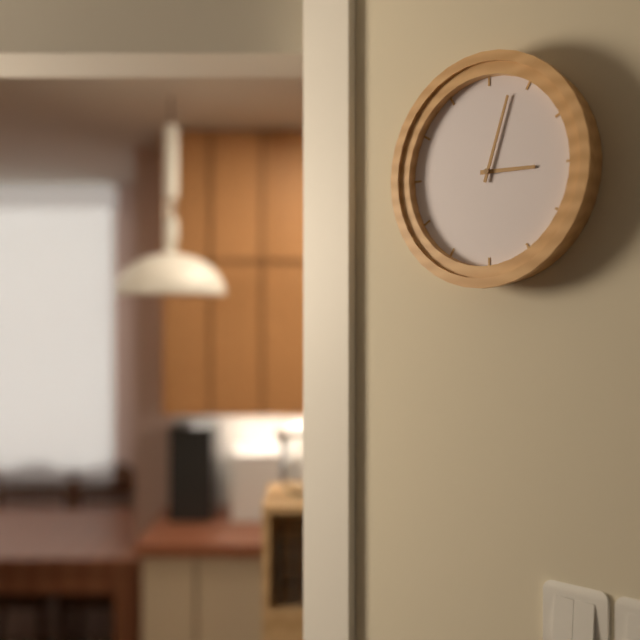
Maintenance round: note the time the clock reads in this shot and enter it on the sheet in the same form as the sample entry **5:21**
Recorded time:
**3:03**
